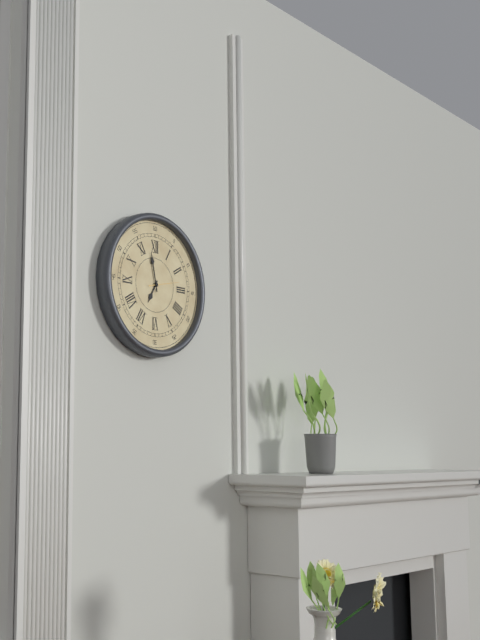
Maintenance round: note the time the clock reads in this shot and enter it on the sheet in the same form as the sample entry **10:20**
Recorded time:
**6:58**
